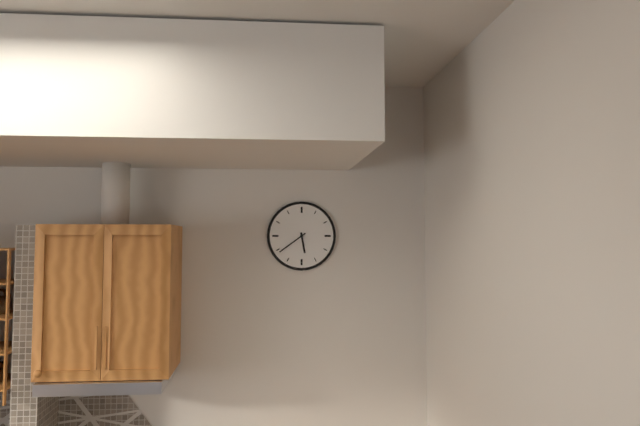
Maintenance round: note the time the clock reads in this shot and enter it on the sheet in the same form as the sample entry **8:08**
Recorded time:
**5:39**
